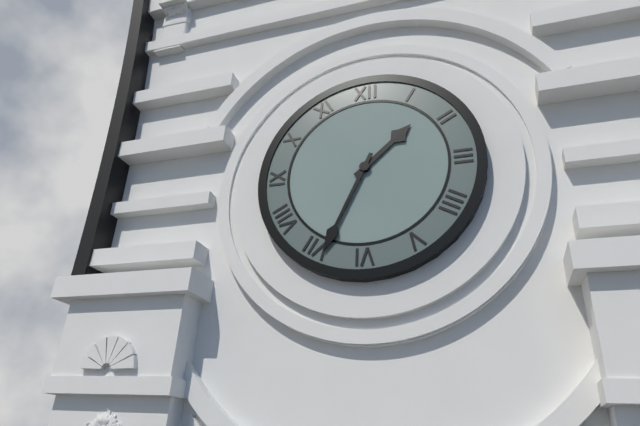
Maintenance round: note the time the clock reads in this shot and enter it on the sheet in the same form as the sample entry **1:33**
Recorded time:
**1:34**
